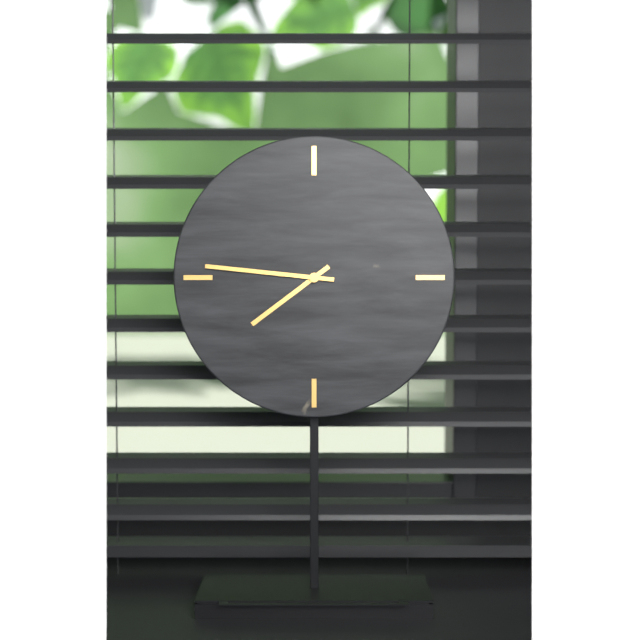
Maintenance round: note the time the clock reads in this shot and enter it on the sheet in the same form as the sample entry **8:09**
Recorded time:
**7:46**
